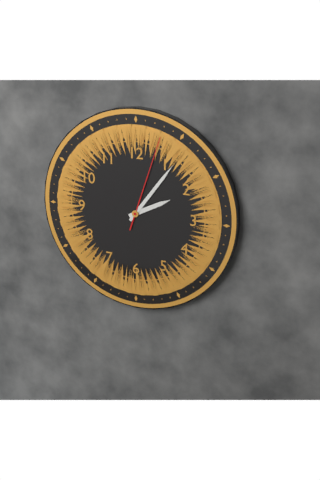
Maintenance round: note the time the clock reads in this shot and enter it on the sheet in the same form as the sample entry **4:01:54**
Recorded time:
**2:06:03**
